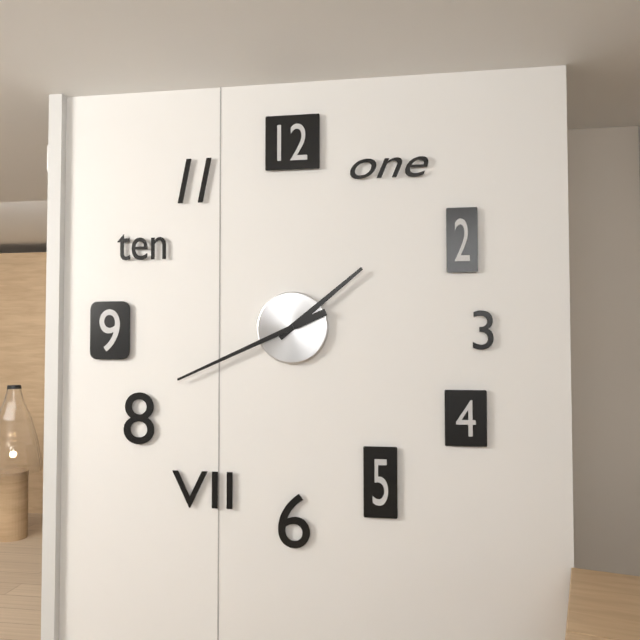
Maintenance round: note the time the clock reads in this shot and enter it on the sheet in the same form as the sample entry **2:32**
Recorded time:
**1:41**
